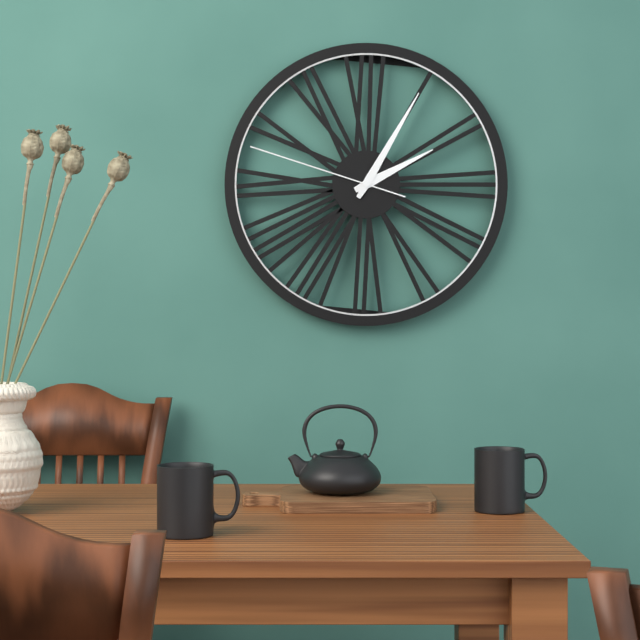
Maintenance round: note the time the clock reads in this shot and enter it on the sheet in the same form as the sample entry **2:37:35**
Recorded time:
**2:05:48**
